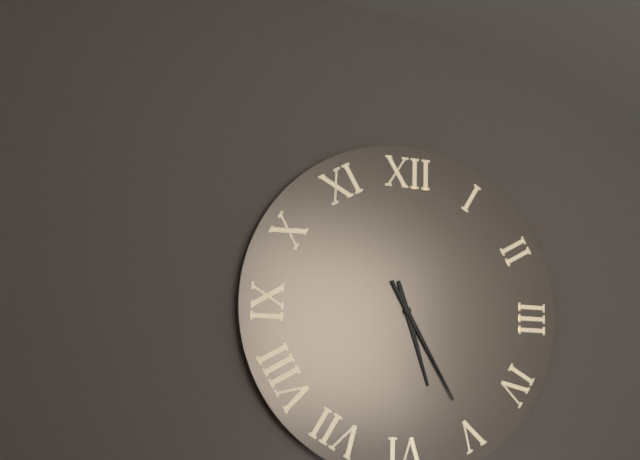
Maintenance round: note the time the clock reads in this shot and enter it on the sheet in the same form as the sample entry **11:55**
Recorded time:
**5:25**
